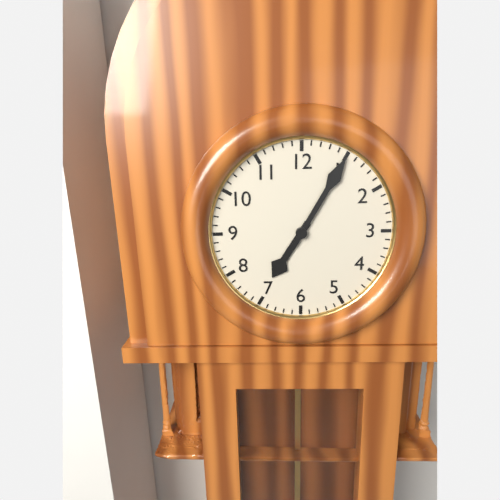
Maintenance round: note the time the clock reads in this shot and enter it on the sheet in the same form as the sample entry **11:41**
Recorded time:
**7:05**
